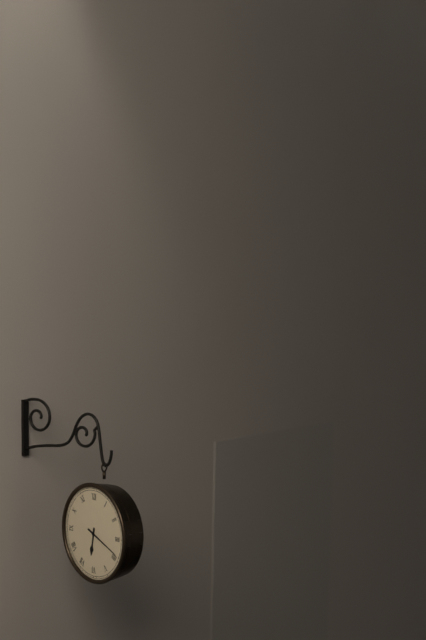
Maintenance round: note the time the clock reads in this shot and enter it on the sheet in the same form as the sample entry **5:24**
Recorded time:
**6:19**
